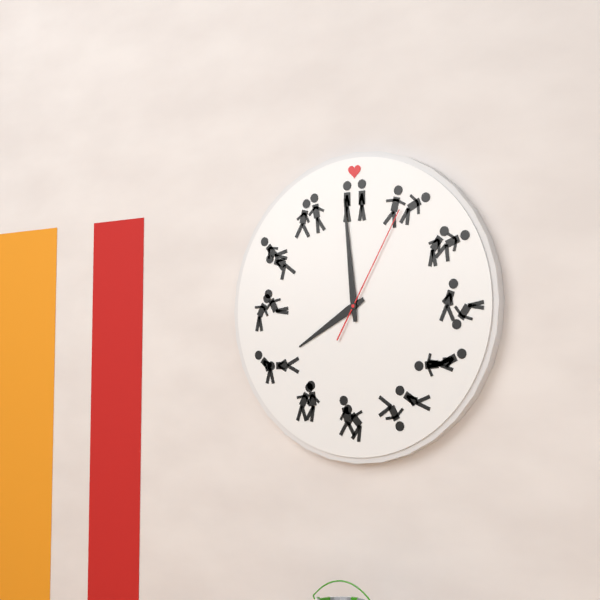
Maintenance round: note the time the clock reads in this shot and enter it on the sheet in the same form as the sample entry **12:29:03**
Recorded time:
**7:59:05**
